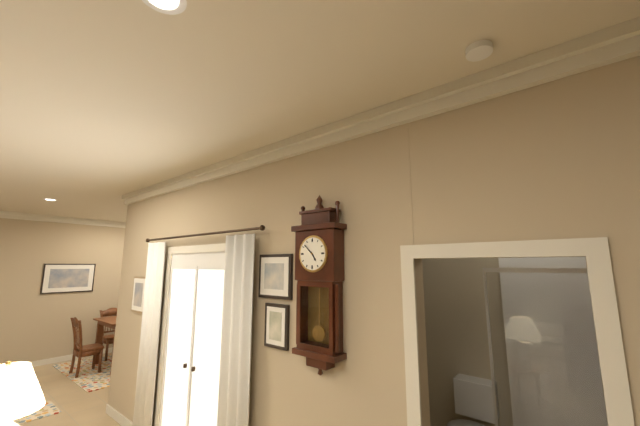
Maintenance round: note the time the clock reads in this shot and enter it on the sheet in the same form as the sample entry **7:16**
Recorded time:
**4:52**
